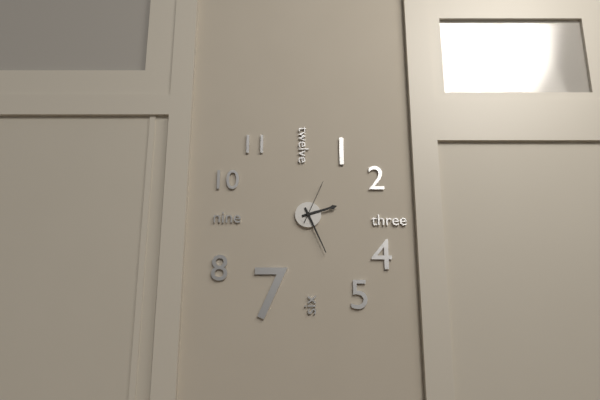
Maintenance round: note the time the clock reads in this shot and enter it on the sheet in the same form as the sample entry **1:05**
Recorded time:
**2:26**
